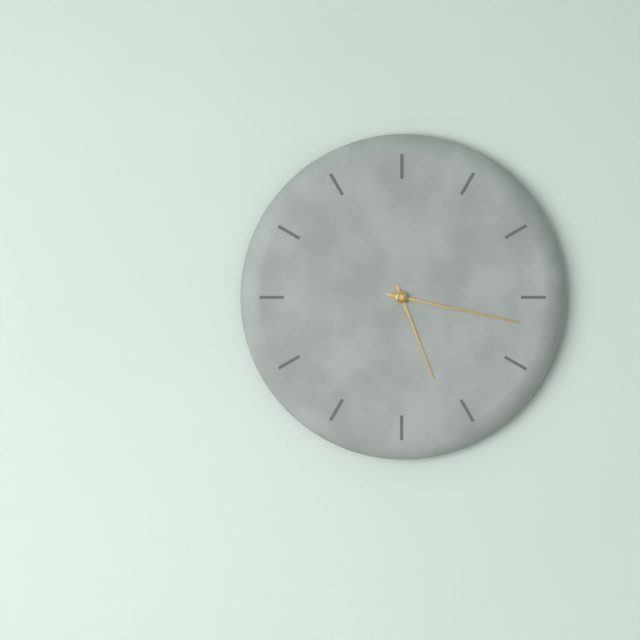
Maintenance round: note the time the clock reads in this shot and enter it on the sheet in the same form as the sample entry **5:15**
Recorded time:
**5:17**
